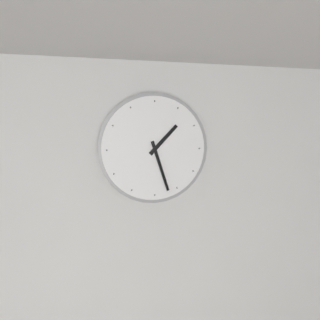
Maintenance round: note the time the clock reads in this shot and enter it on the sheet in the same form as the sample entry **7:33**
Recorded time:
**1:27**
